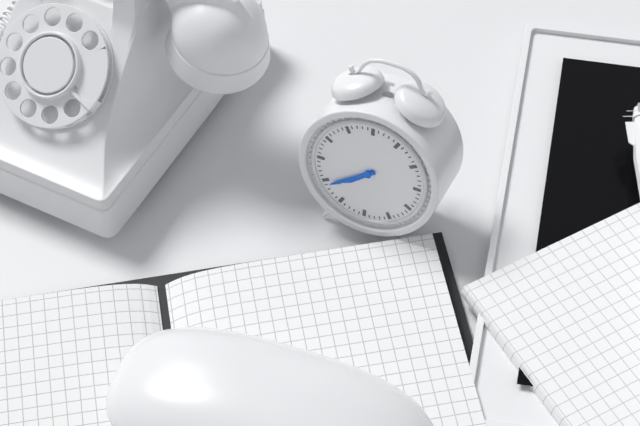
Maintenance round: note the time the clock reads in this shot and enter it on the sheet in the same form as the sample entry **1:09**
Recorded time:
**7:39**
